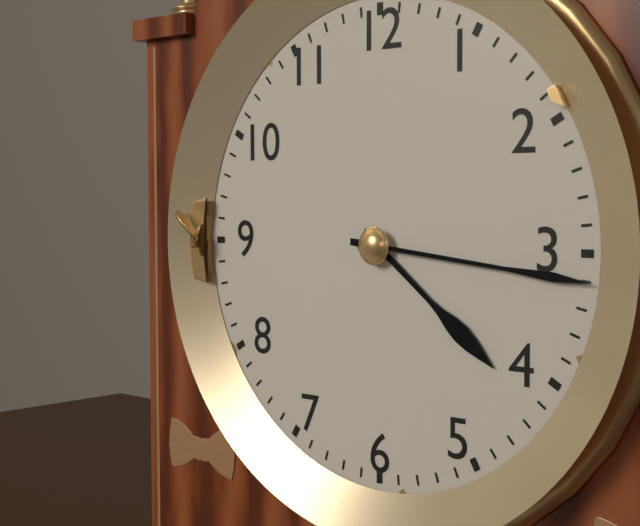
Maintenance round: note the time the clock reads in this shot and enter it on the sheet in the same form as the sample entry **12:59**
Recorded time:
**4:16**
